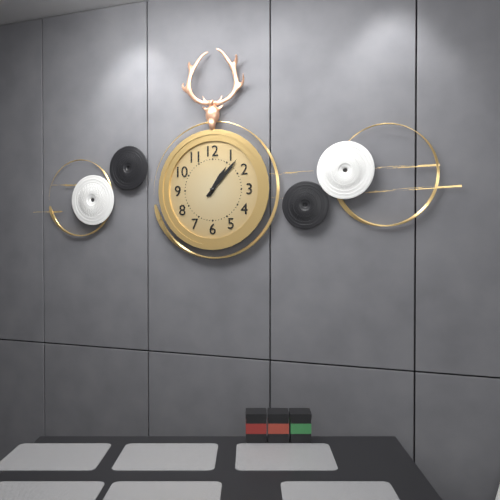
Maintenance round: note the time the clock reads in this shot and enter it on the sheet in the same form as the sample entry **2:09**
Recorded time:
**1:07**
